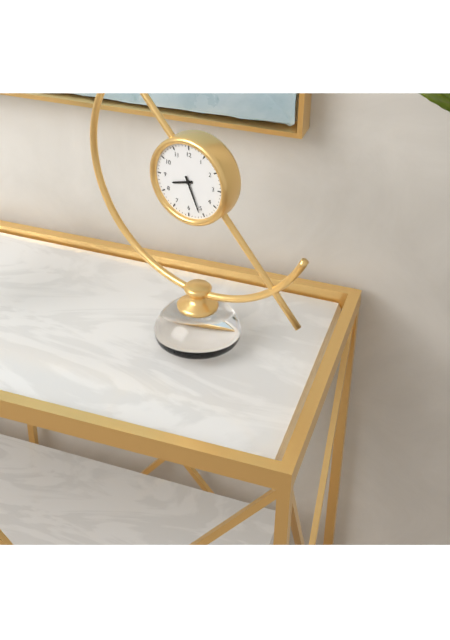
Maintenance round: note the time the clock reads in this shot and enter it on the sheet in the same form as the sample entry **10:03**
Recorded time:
**8:26**
